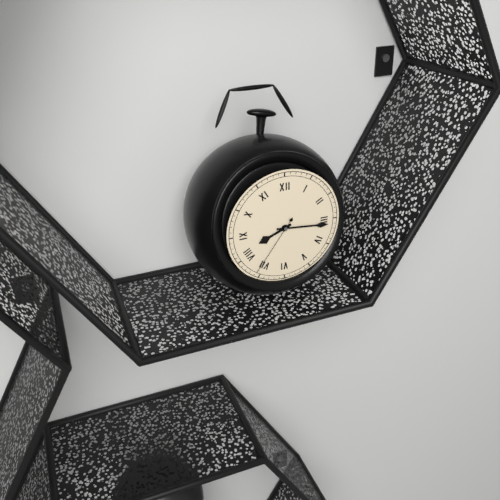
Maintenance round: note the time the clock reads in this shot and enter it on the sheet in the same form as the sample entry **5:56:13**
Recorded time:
**8:16:36**
